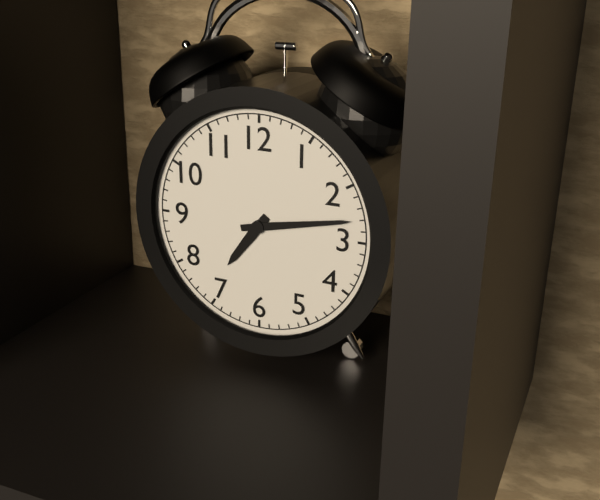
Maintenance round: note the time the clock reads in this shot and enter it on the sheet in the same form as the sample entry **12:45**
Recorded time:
**7:13**
